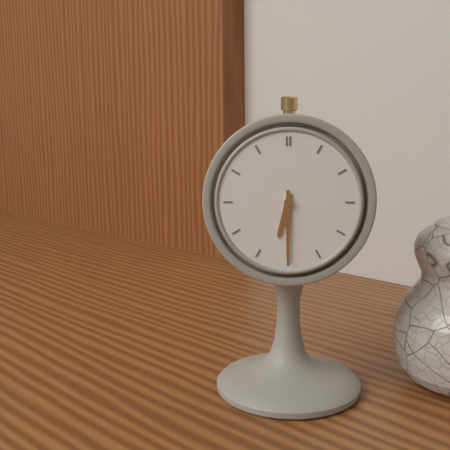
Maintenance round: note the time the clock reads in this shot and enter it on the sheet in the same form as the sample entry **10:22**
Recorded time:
**6:30**
